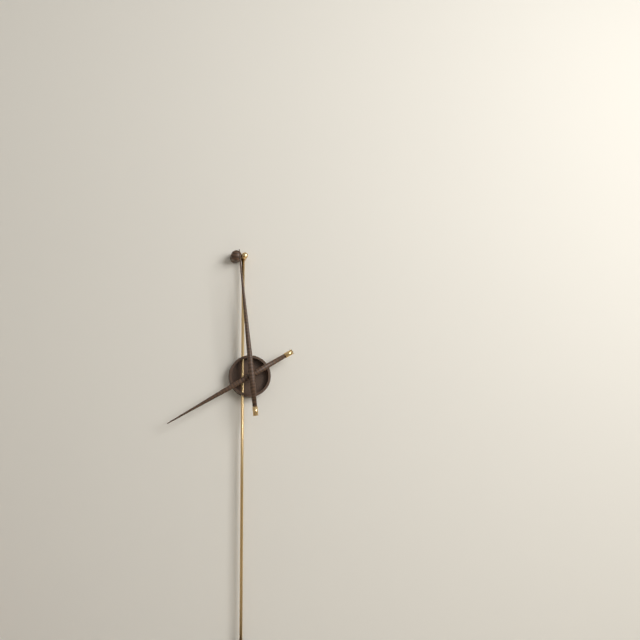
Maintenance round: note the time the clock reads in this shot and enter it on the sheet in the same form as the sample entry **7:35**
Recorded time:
**7:59**
